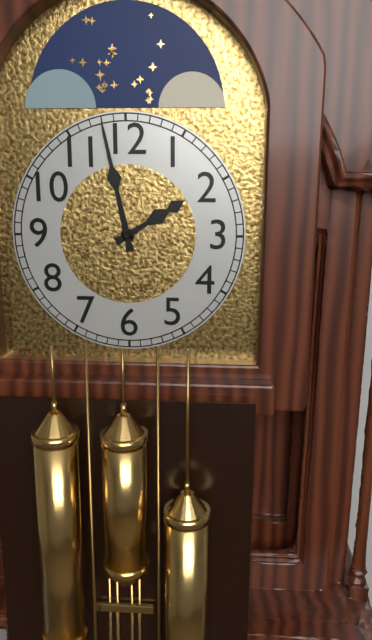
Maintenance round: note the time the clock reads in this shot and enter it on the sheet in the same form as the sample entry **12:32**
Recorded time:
**1:58**
